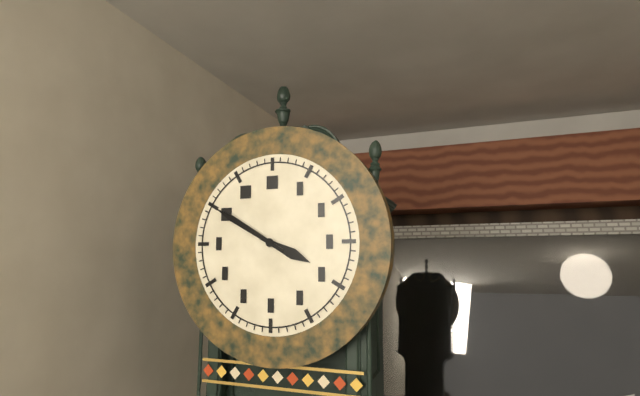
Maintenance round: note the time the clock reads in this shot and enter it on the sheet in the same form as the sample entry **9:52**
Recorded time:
**3:50**
